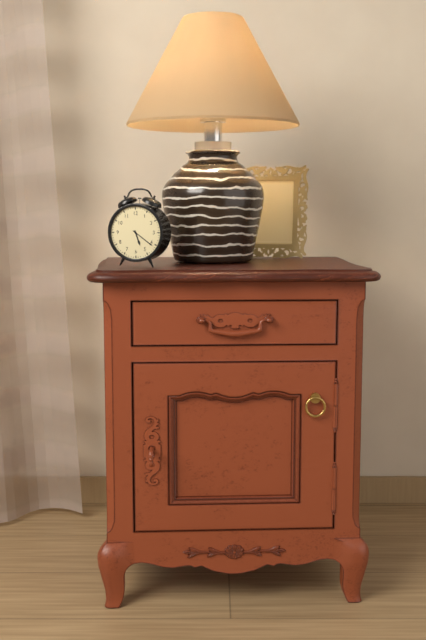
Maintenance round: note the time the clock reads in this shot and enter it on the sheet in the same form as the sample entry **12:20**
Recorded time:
**5:21**
